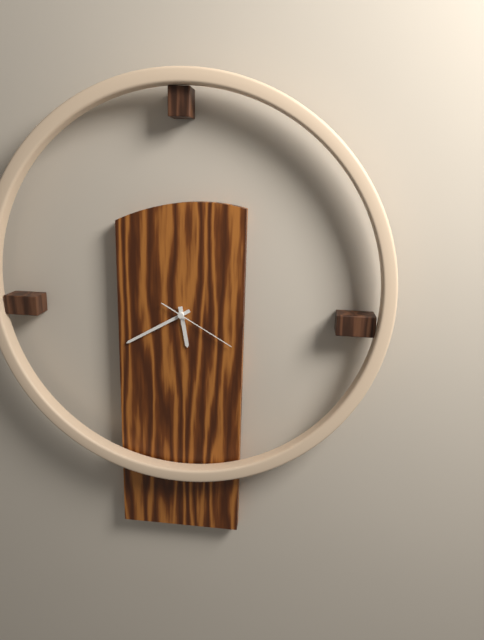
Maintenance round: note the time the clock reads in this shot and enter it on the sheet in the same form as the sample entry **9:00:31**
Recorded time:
**5:40:20**
